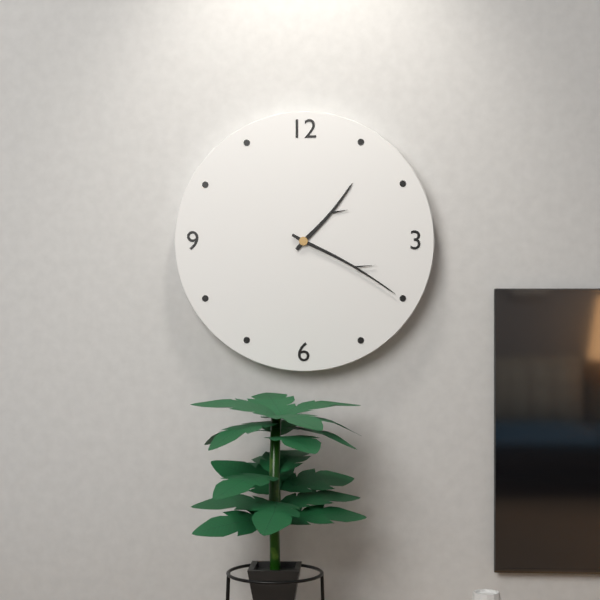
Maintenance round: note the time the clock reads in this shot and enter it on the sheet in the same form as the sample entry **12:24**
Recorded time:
**1:20**
